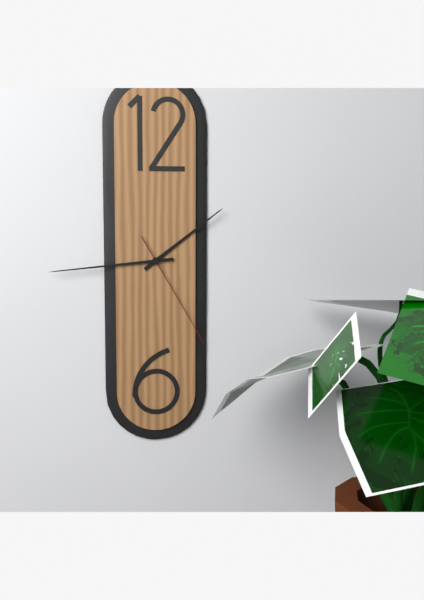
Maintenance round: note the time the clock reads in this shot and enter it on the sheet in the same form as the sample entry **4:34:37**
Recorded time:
**1:44:25**
